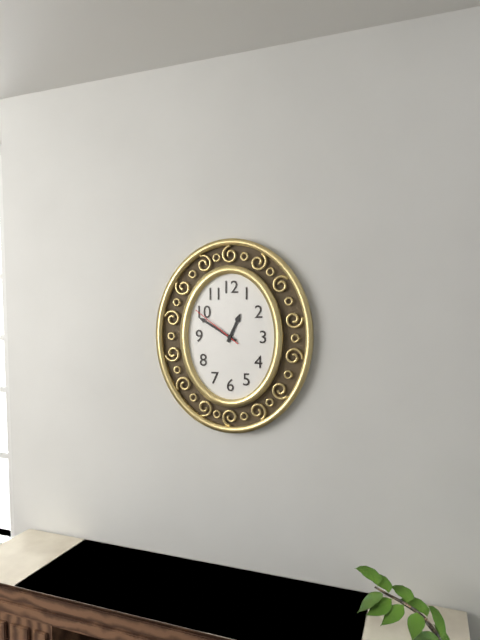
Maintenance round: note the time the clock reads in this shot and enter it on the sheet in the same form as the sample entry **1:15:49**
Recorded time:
**12:50:51**
